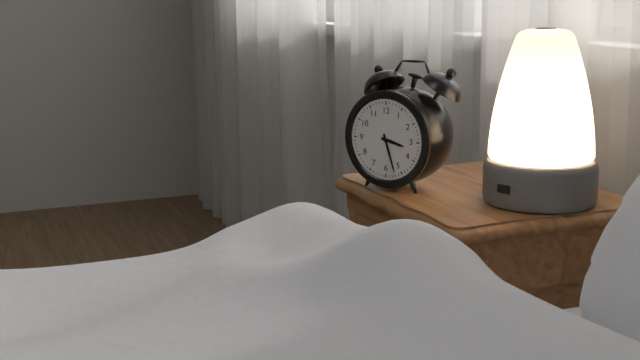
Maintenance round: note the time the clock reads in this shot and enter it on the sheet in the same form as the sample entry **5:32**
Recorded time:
**3:27**
